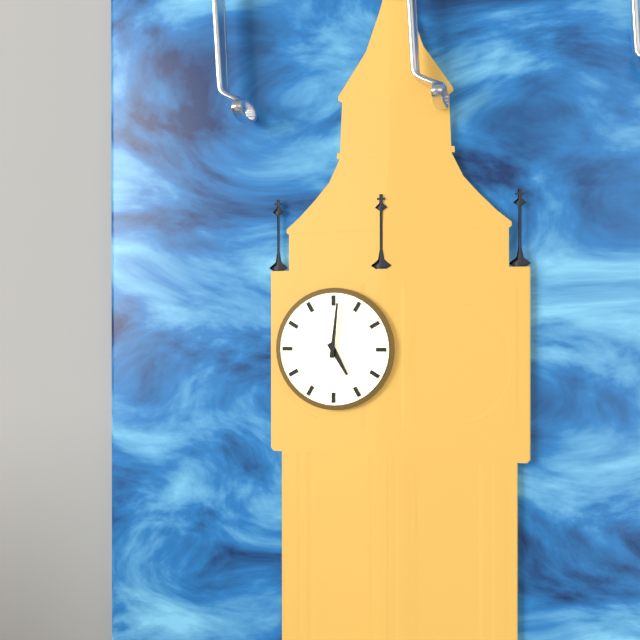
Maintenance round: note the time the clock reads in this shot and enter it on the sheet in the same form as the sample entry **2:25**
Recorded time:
**5:01**
